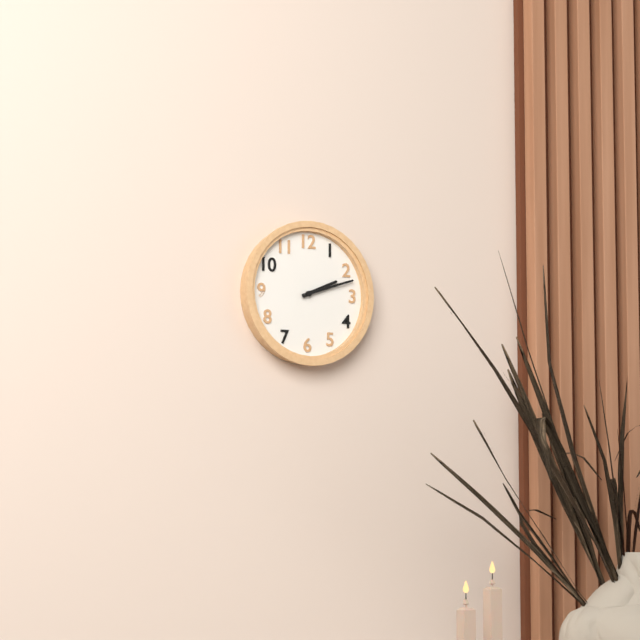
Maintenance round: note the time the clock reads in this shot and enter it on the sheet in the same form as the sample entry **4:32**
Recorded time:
**2:12**
